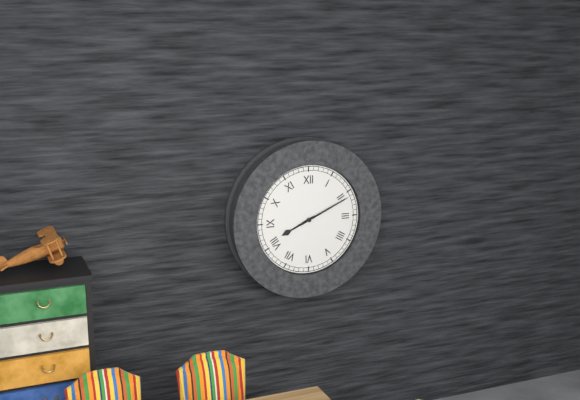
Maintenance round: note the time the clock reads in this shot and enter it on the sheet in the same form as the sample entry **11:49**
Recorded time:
**8:11**
